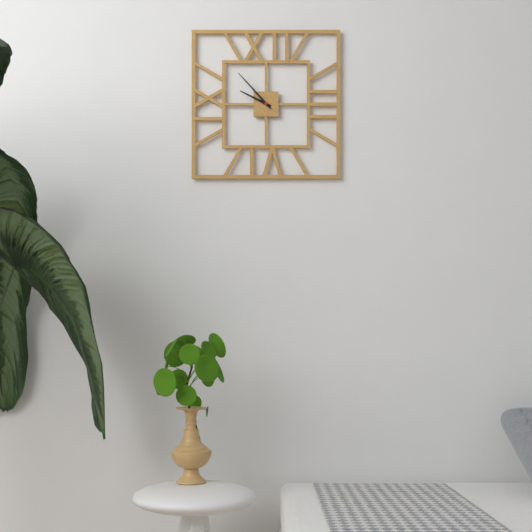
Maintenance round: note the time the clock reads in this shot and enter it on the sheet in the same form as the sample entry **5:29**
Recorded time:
**9:53**
